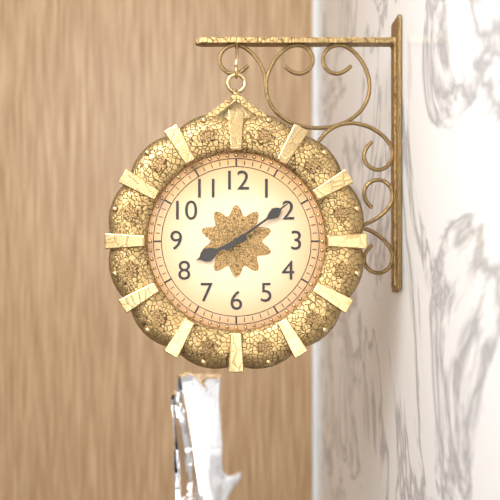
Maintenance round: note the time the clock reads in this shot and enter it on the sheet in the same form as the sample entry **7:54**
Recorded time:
**8:09**
